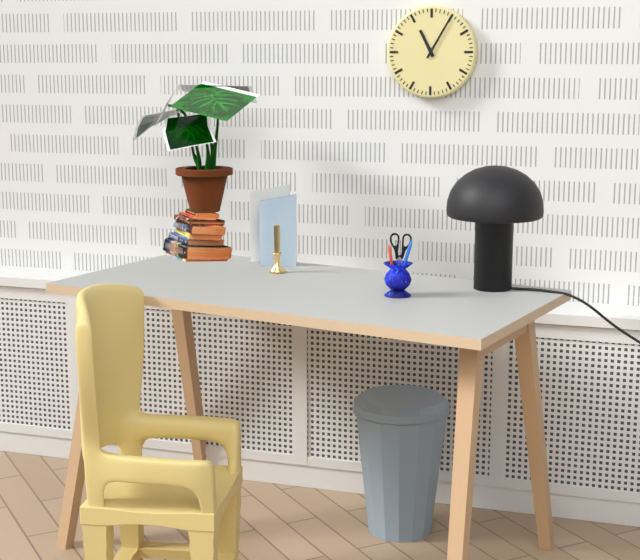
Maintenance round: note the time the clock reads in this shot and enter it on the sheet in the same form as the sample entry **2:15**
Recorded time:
**11:05**
